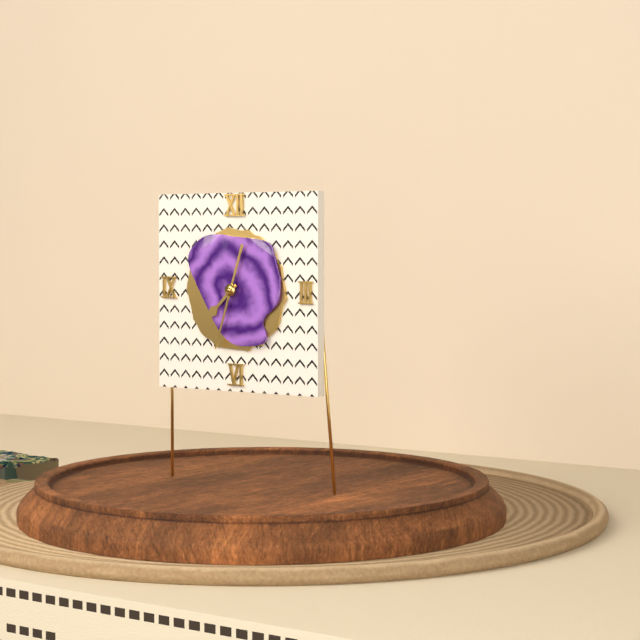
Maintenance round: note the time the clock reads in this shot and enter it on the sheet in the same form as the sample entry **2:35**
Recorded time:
**7:33**
